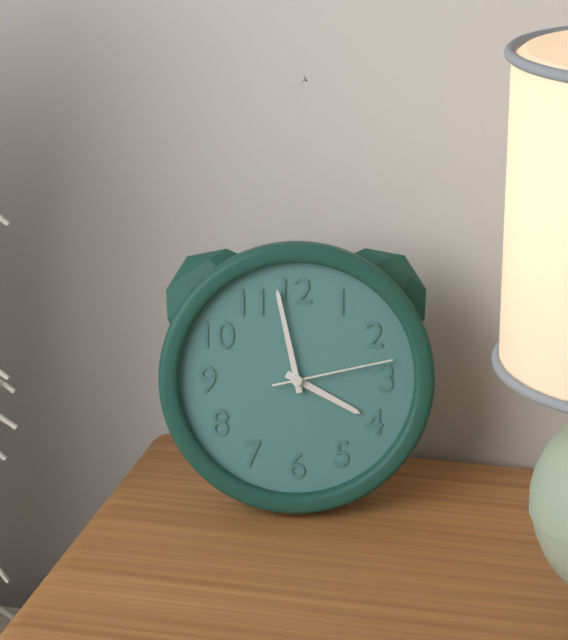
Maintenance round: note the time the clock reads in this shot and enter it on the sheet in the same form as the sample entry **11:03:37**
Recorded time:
**3:58:13**
